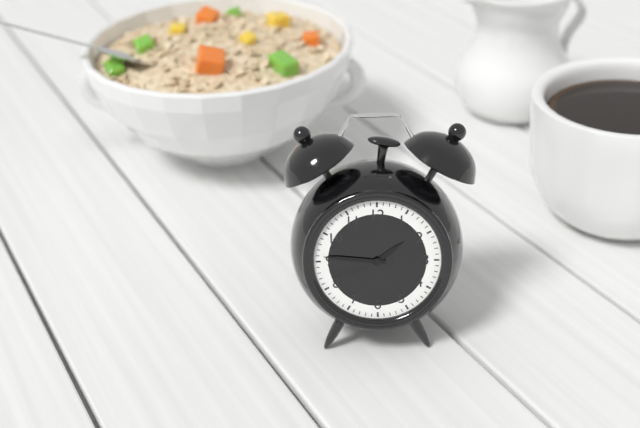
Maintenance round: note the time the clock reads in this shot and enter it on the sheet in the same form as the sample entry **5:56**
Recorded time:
**1:46**
